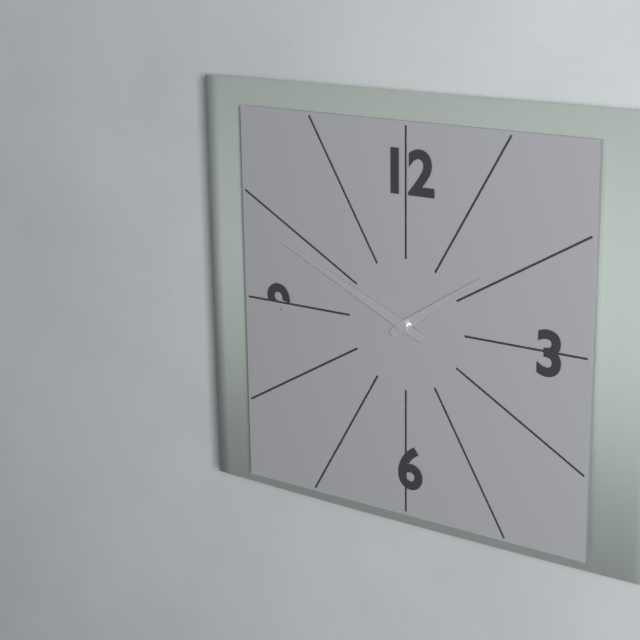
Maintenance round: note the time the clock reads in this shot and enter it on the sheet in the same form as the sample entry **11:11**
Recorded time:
**1:49**
